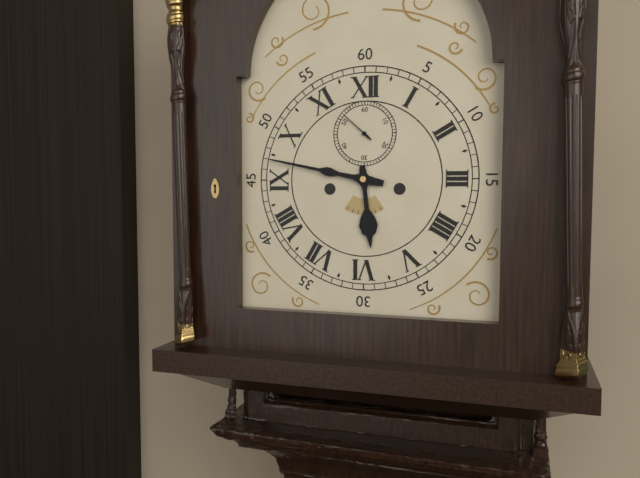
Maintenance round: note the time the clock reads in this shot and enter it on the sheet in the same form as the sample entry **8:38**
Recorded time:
**5:47**
